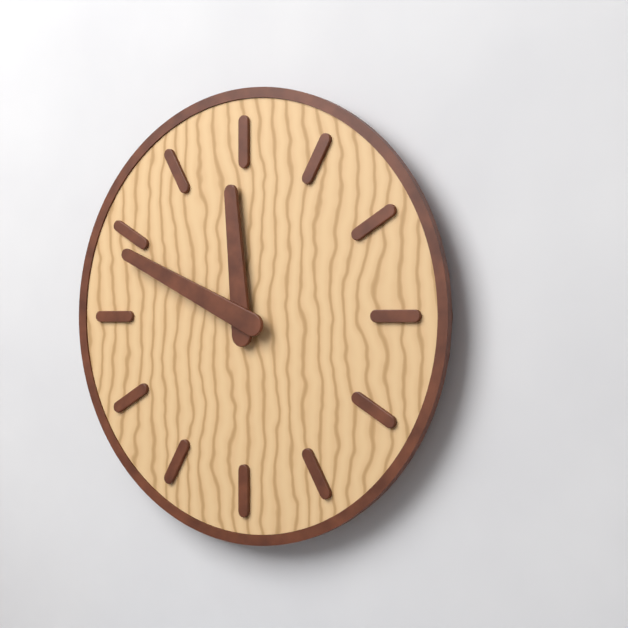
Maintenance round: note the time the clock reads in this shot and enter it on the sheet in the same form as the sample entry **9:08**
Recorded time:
**11:49**
